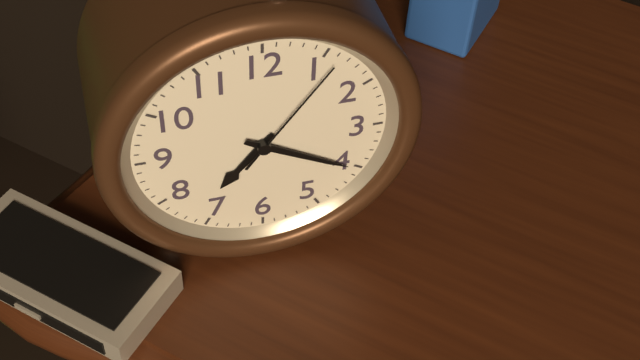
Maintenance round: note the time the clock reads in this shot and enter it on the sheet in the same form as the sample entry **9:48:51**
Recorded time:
**7:20:06**
